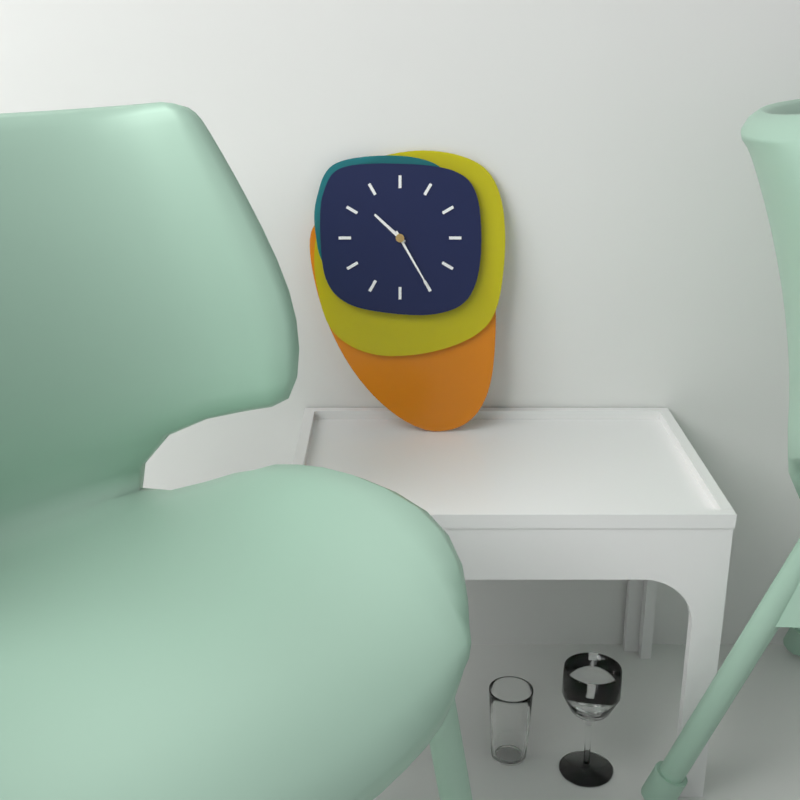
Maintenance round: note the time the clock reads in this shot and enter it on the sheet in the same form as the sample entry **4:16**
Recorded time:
**10:25**
